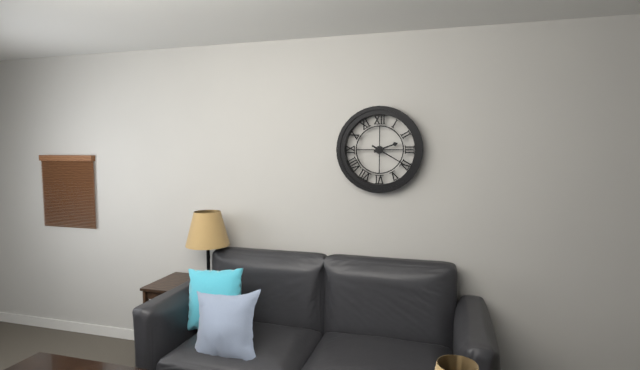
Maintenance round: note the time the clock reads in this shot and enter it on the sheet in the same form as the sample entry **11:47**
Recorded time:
**2:20**
